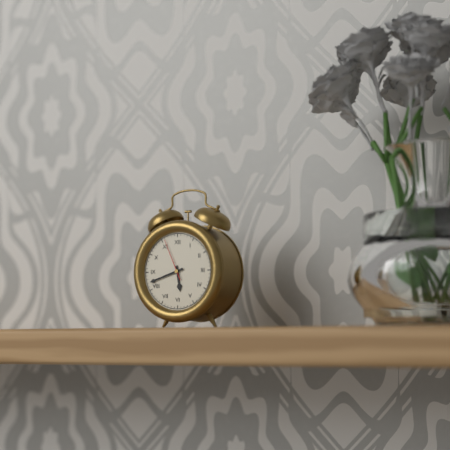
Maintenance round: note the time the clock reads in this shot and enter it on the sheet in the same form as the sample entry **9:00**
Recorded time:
**5:42**
